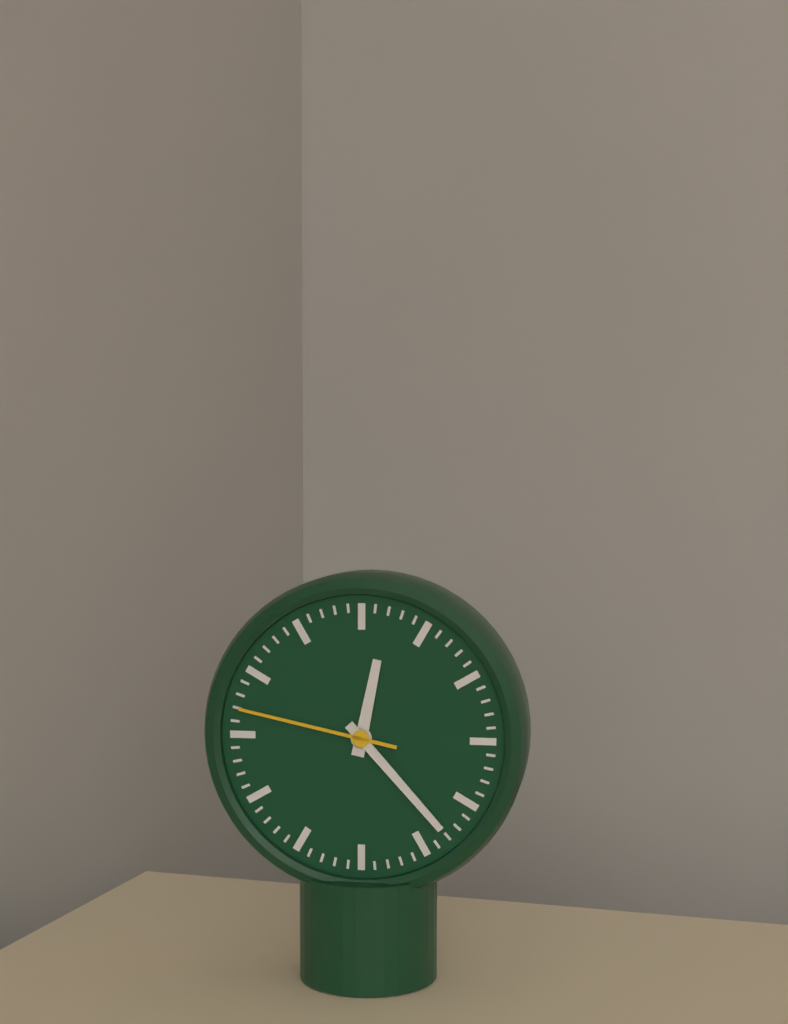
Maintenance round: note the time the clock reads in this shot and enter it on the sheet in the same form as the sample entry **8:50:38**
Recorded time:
**12:23:47**
